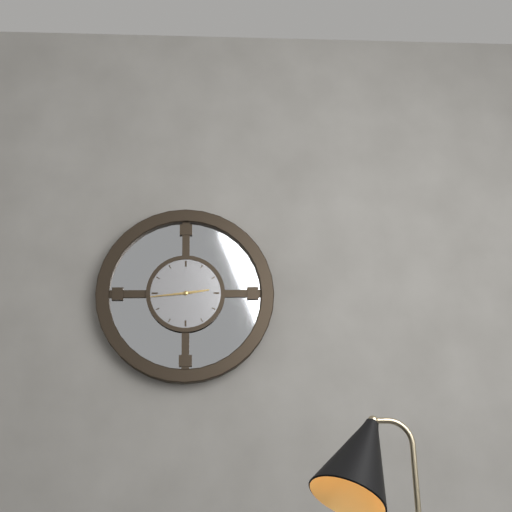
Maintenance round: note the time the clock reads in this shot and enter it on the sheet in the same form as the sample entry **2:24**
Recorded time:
**2:44**
